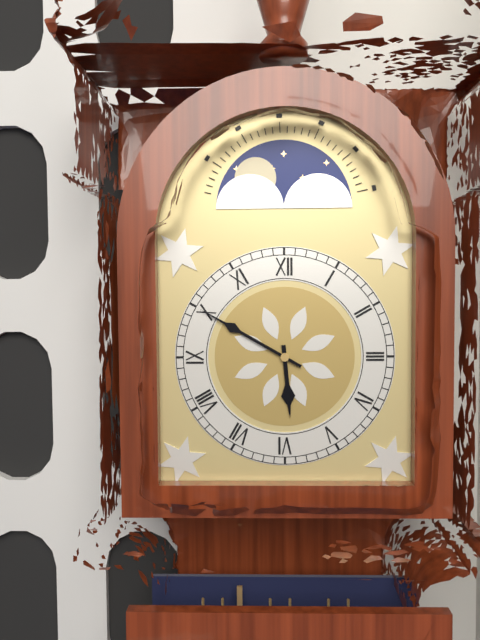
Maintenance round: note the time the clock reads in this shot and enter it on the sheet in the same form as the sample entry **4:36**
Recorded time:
**5:50**
